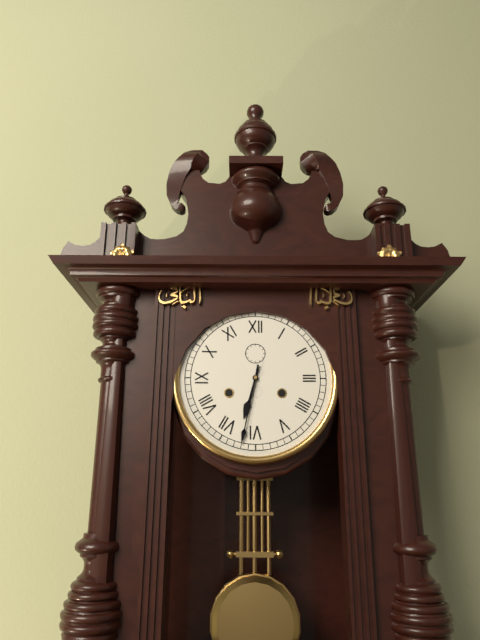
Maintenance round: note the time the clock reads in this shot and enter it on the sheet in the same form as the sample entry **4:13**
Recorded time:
**6:32**
